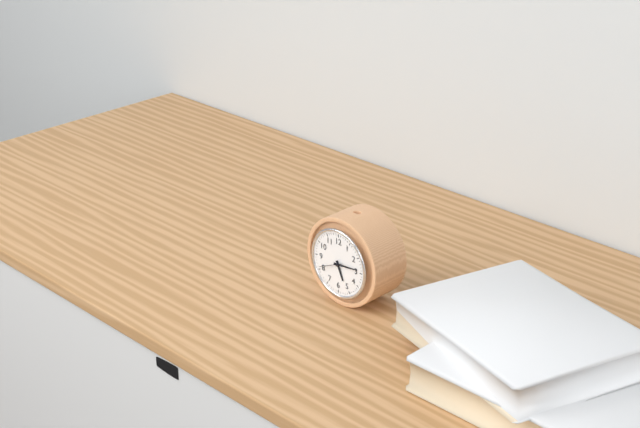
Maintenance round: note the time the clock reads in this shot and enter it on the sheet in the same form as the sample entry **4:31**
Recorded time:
**5:14**
